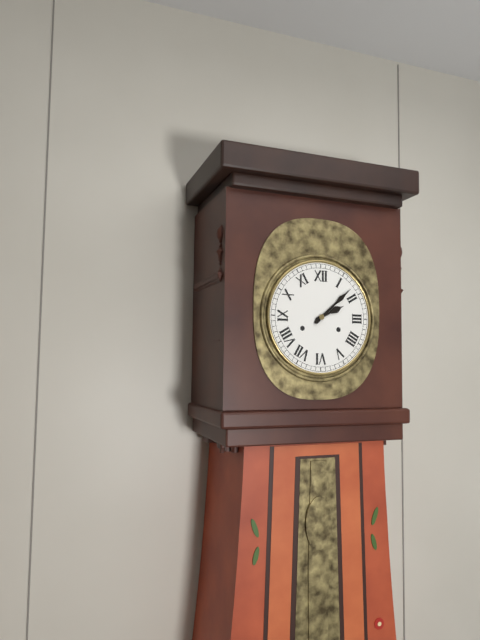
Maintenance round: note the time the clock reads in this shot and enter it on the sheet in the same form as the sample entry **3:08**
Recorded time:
**2:08**
